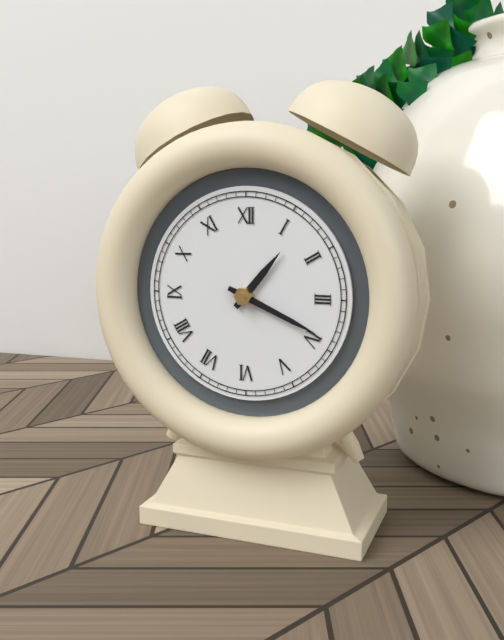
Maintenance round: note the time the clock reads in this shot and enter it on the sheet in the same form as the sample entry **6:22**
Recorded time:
**1:19**
